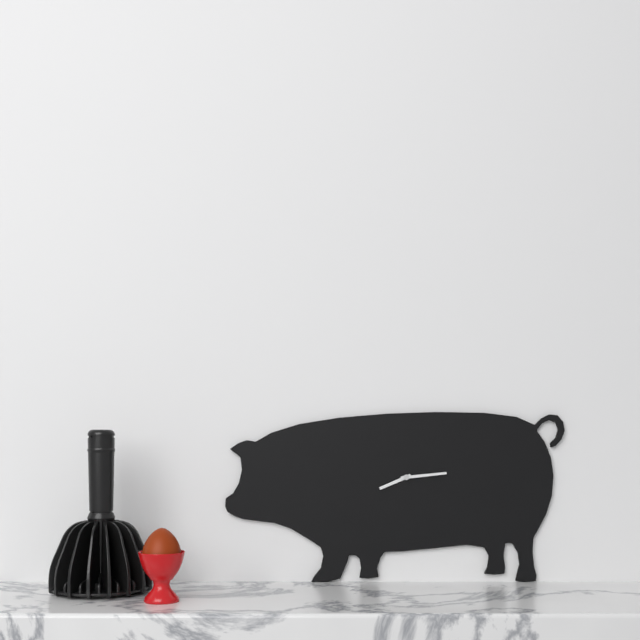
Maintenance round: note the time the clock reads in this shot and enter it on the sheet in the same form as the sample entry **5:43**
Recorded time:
**8:14**
